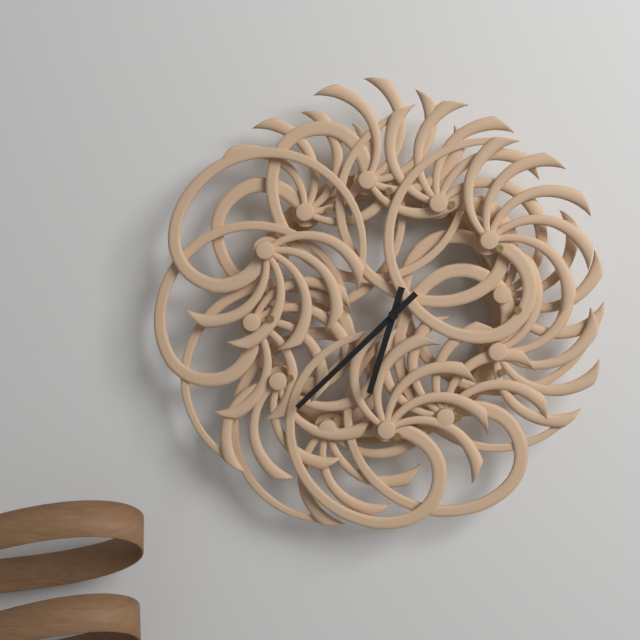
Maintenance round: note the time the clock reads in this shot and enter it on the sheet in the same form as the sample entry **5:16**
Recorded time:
**6:38**
